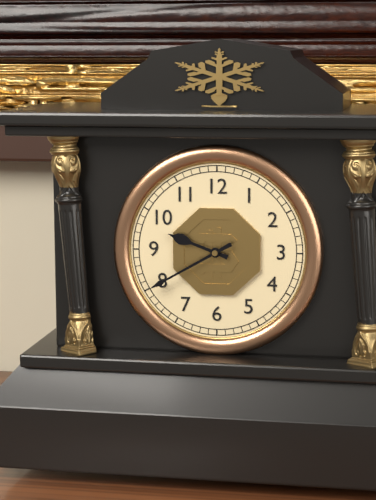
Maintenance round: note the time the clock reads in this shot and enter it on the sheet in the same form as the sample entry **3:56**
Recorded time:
**9:40**
